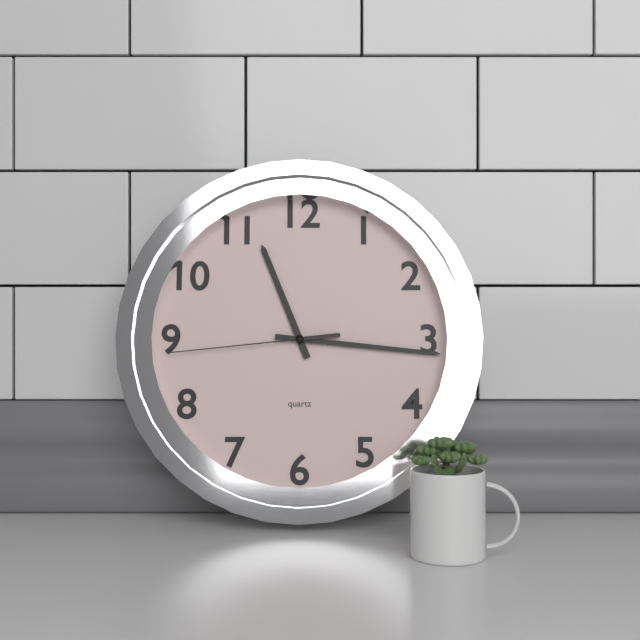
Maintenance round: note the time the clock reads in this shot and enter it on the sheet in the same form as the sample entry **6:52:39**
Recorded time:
**11:16:44**
